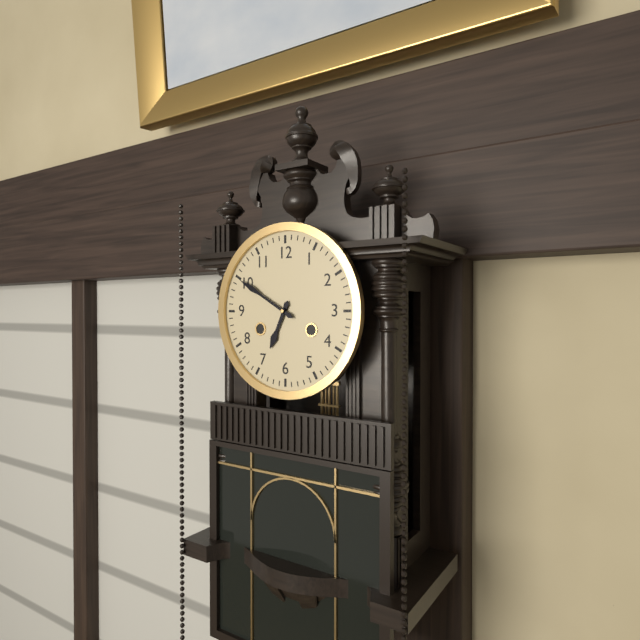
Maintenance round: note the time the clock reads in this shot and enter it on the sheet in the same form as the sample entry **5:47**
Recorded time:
**6:50**
